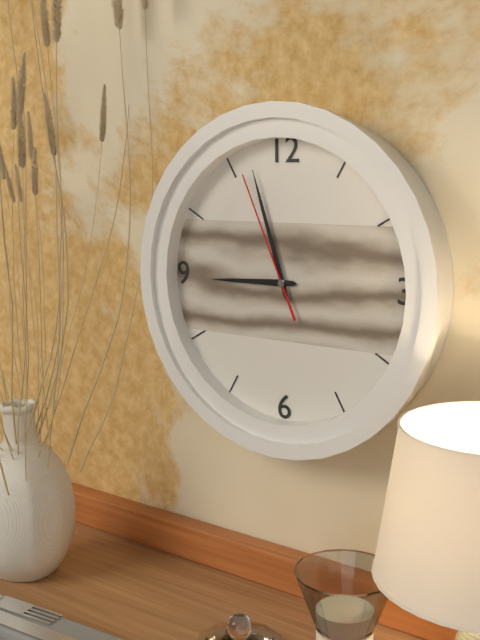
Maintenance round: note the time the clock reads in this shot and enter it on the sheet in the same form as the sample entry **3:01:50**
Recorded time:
**8:57:56**
